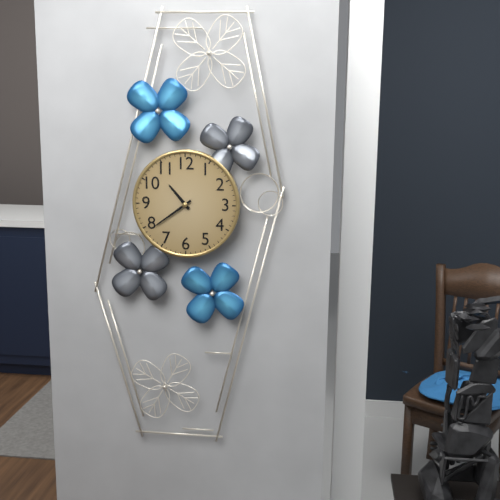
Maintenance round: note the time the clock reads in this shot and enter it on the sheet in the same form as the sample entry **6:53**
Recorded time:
**10:39**
